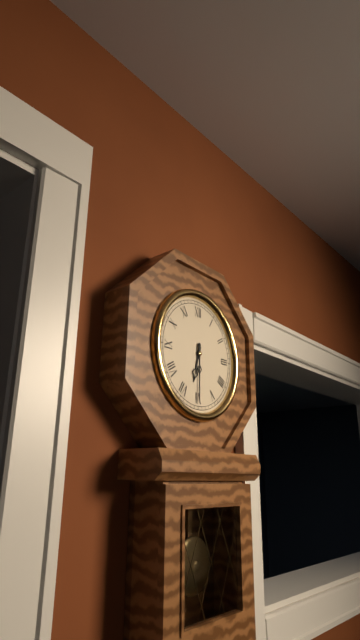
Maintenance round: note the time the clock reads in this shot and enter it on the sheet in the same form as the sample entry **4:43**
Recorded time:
**6:30**
